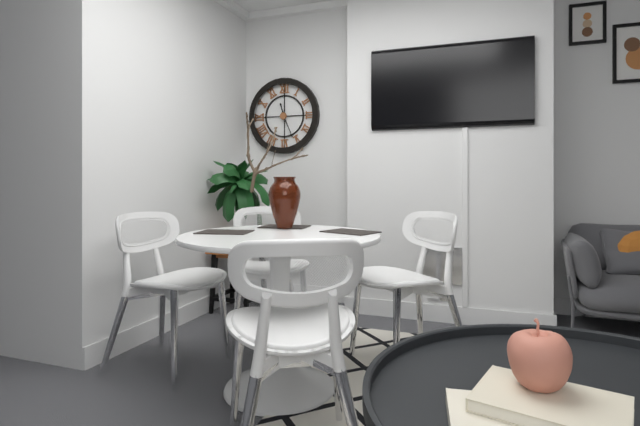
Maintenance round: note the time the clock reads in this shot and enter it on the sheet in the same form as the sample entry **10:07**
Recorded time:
**11:26**
